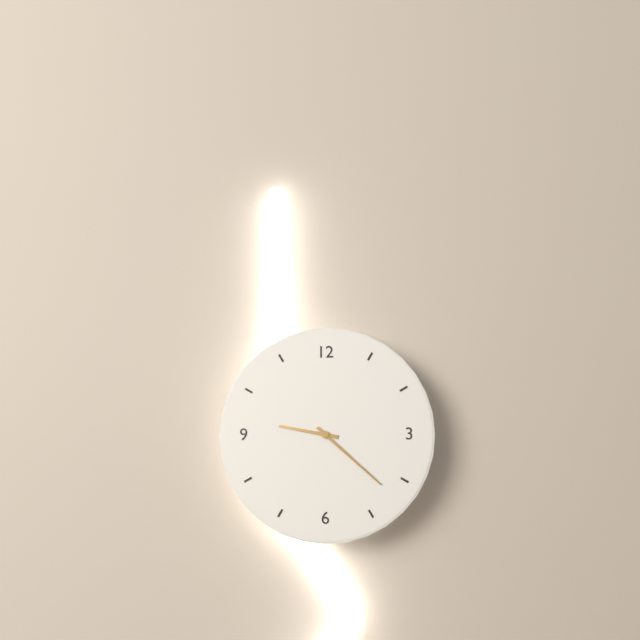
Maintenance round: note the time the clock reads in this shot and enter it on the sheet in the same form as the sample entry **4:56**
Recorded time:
**9:22**
